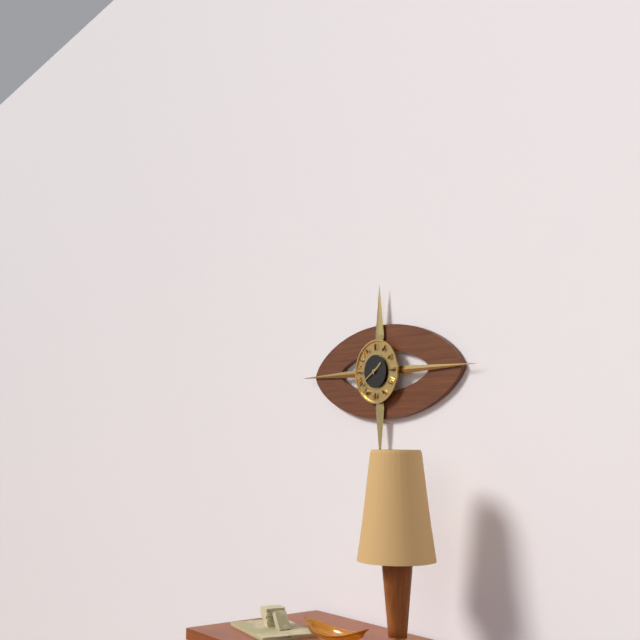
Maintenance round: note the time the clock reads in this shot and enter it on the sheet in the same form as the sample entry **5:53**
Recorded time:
**1:40**
